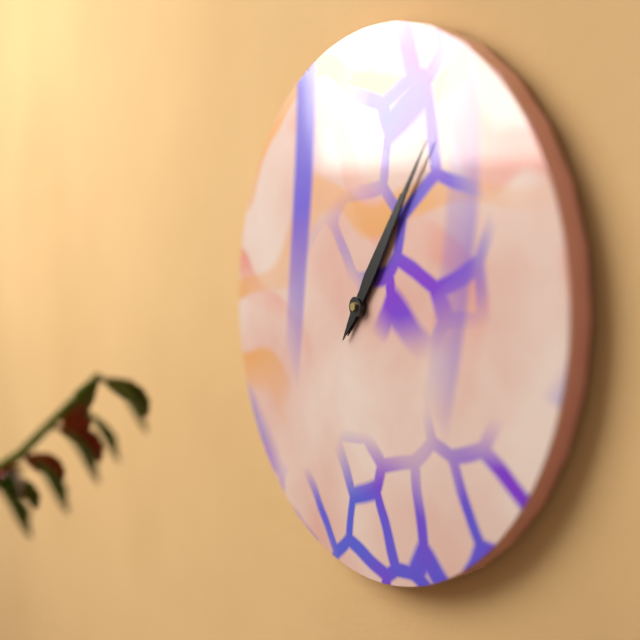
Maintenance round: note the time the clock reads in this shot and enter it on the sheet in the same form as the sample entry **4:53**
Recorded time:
**1:06**
